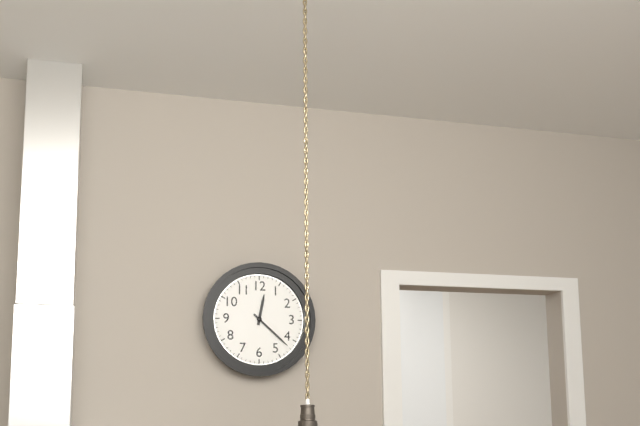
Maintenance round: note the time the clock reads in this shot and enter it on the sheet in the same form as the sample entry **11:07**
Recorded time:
**12:22**
